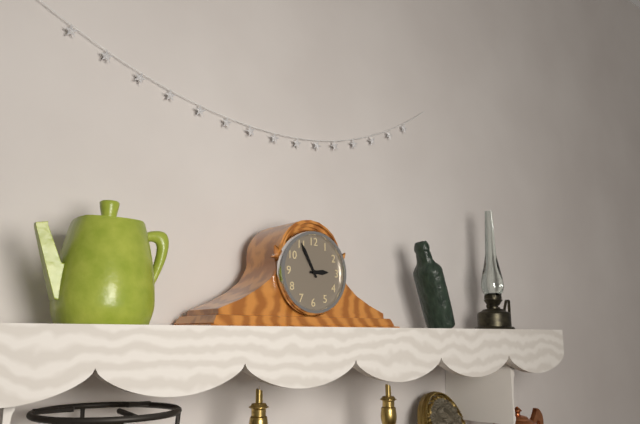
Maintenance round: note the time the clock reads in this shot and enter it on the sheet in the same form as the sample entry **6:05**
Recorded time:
**2:55**
